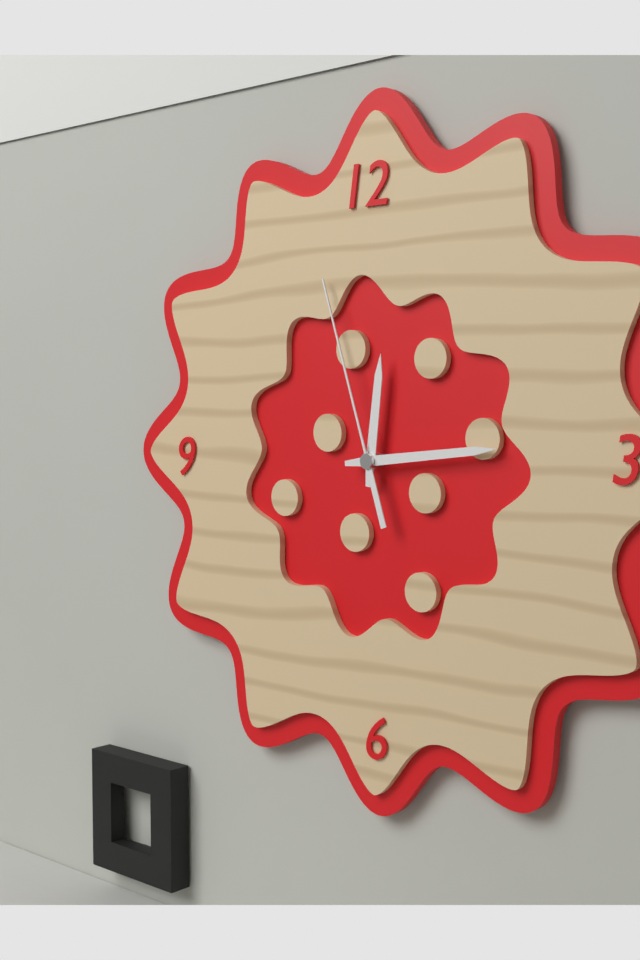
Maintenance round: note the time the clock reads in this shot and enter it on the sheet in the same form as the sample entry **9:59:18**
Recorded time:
**12:14:57**
